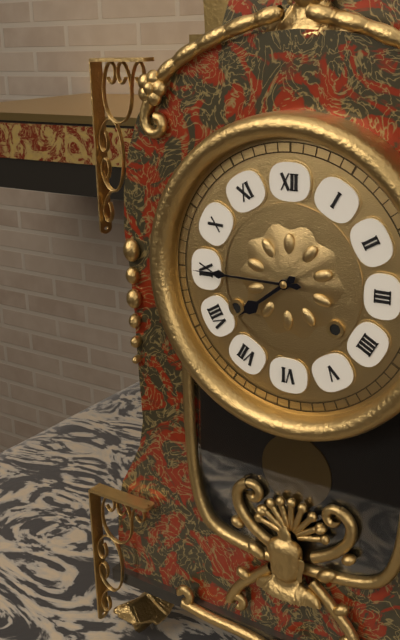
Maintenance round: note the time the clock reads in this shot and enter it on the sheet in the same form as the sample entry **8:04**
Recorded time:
**7:45**
